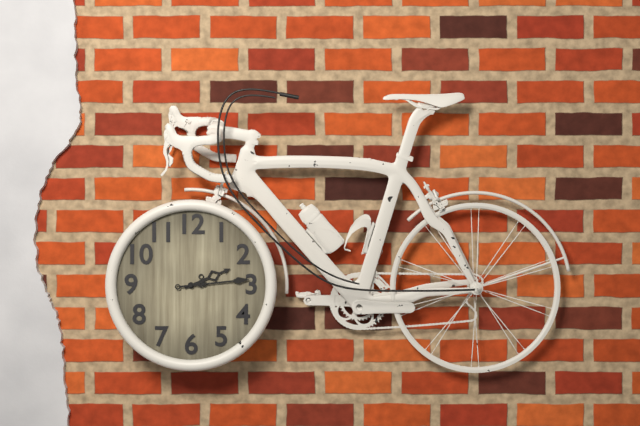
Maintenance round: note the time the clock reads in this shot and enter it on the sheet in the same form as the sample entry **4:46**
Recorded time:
**2:14**
